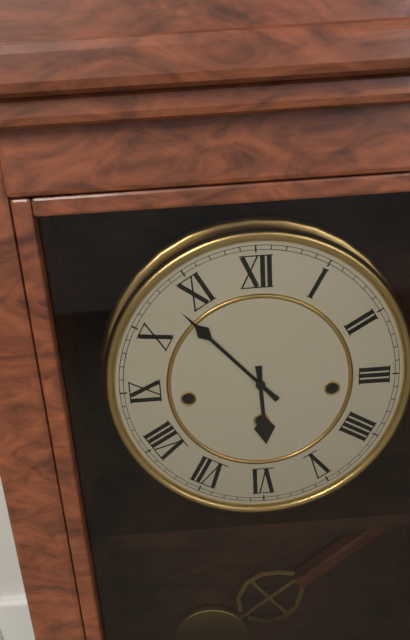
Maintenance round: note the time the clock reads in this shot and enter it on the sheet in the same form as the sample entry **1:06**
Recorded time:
**5:53**
